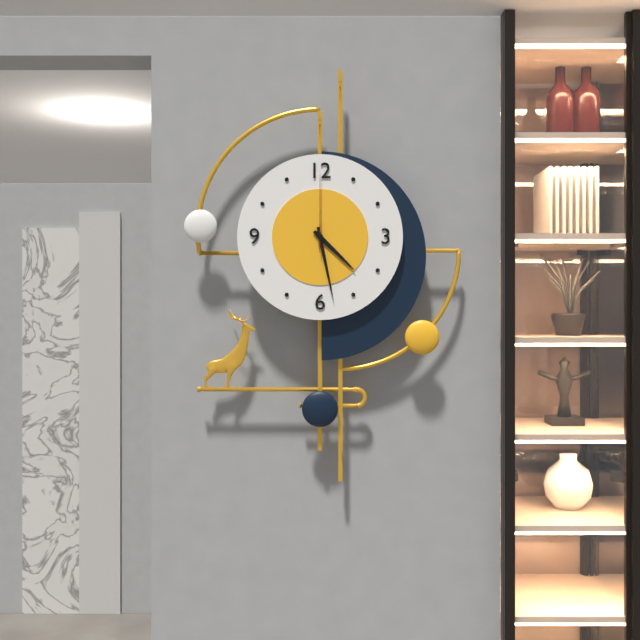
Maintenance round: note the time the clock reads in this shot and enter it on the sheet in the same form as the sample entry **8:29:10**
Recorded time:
**4:28:00**
